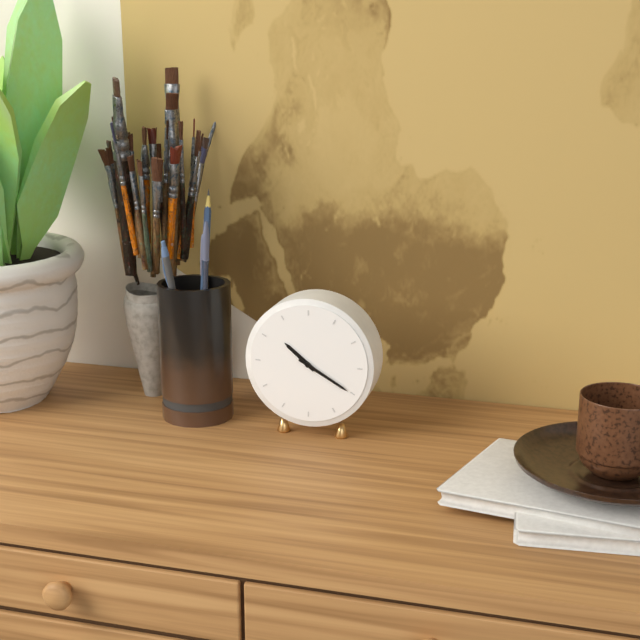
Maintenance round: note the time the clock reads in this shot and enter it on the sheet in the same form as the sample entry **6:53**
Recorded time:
**10:20**
